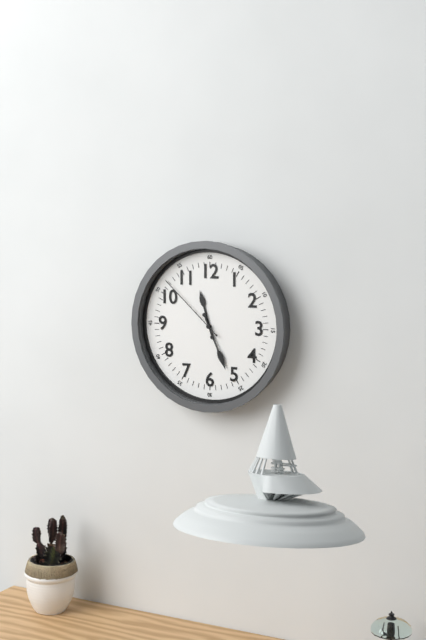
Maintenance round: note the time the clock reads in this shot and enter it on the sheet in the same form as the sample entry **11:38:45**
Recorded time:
**11:26:52**
